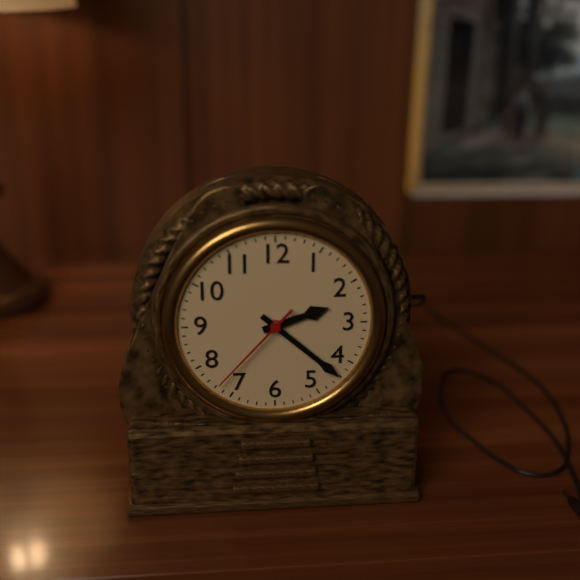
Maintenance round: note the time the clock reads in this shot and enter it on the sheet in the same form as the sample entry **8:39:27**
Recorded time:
**2:22:37**
